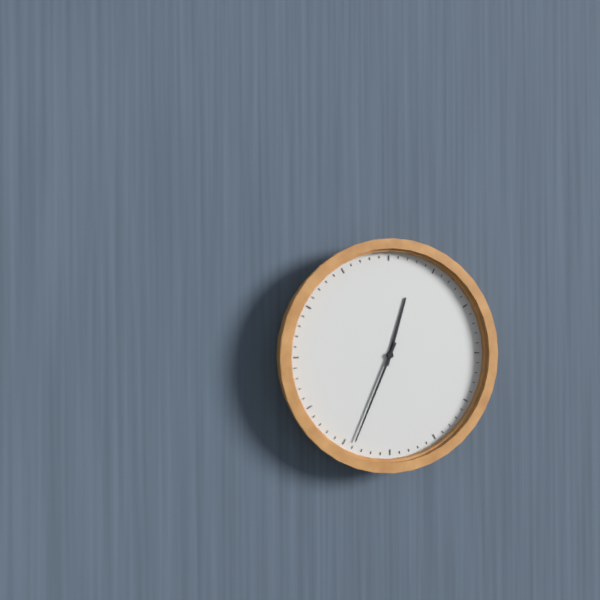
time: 12:34
